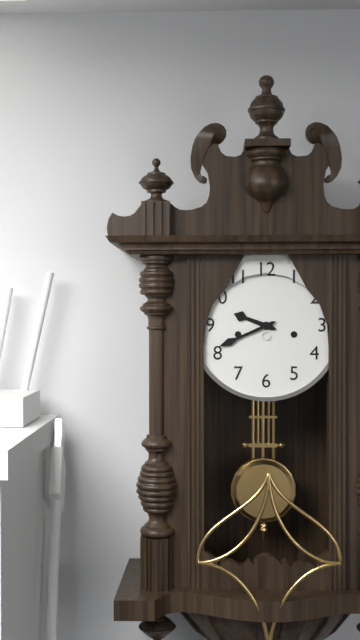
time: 9:41
